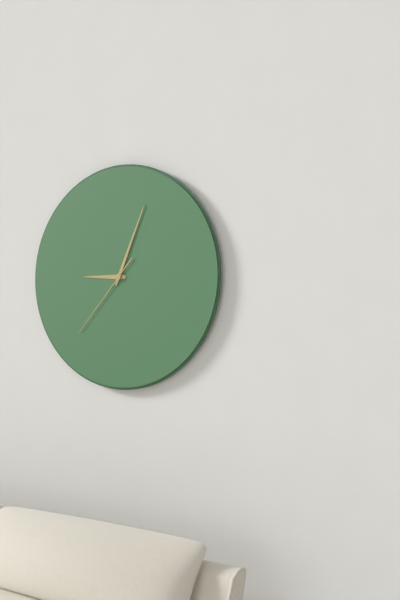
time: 9:04:37
